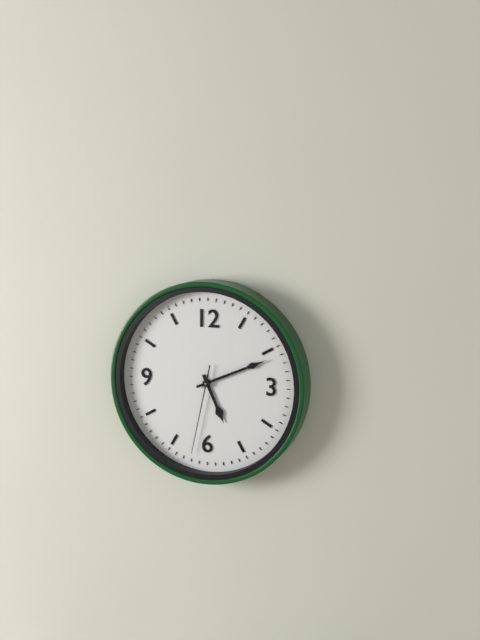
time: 5:11:32
